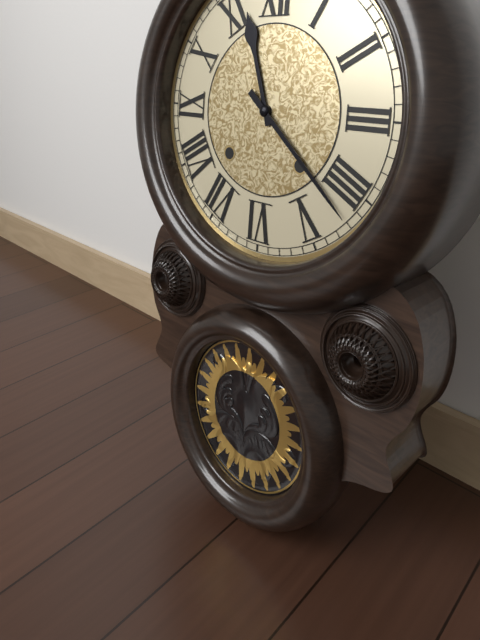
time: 11:22
